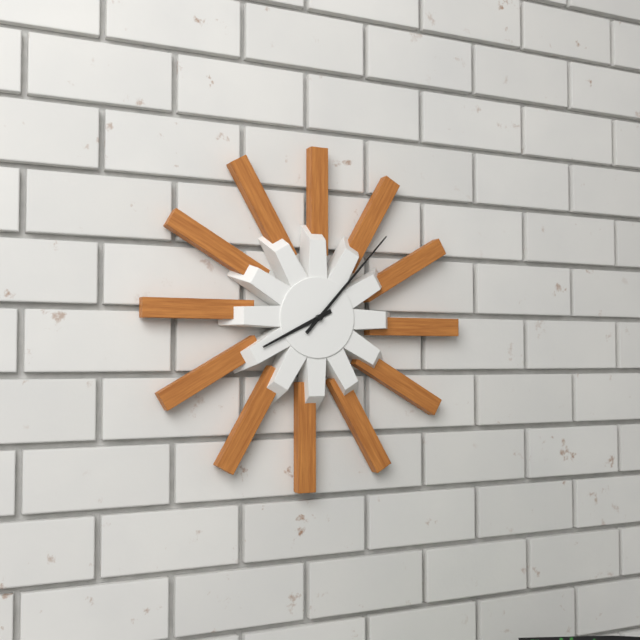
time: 8:07
